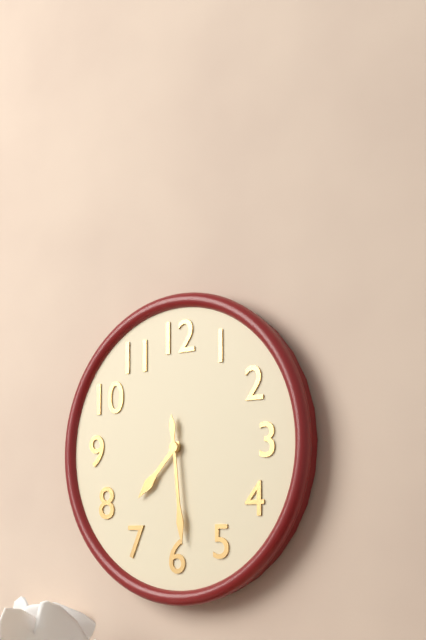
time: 7:29
